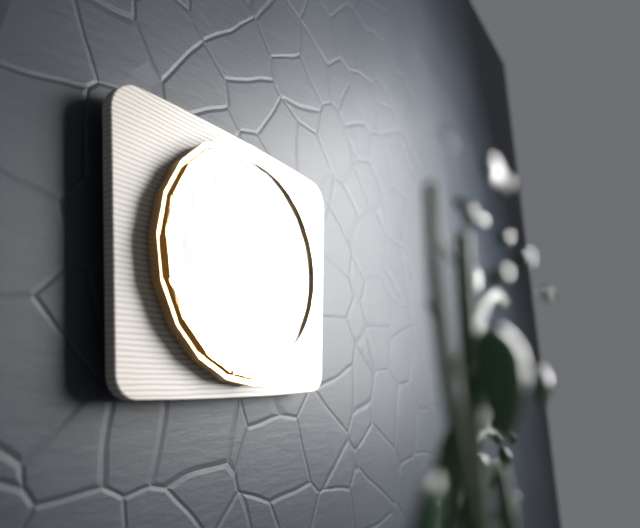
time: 5:31
